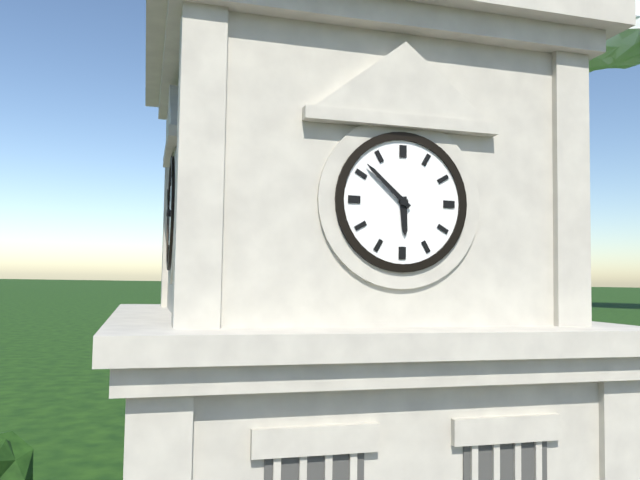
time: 5:52
